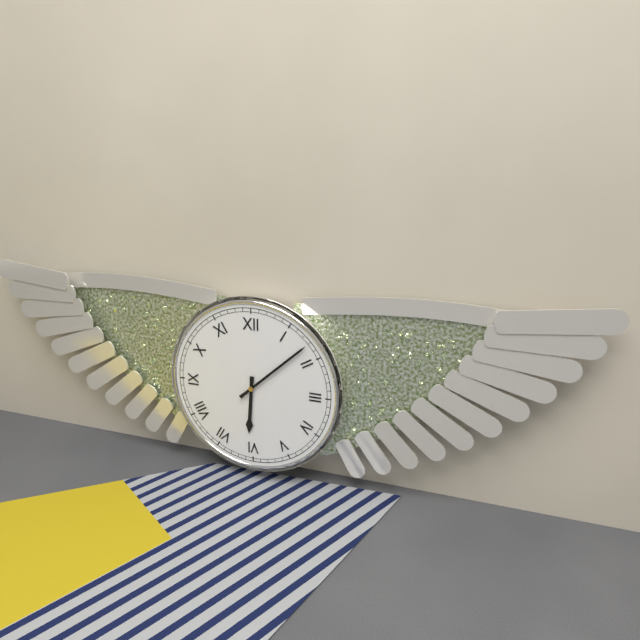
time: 6:08
